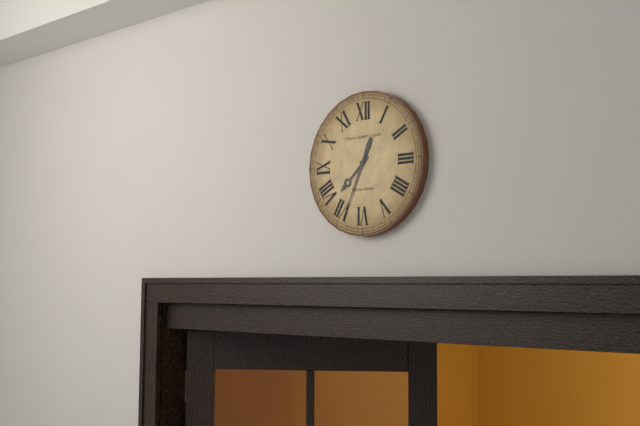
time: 7:34
